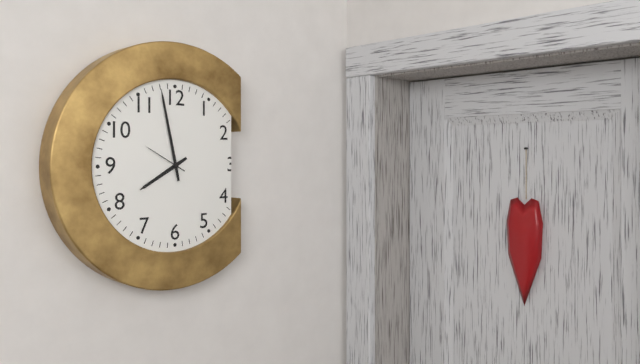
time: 7:58
